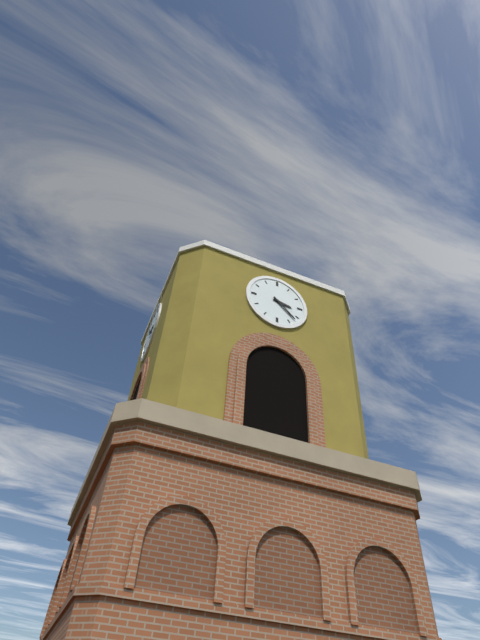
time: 3:22
